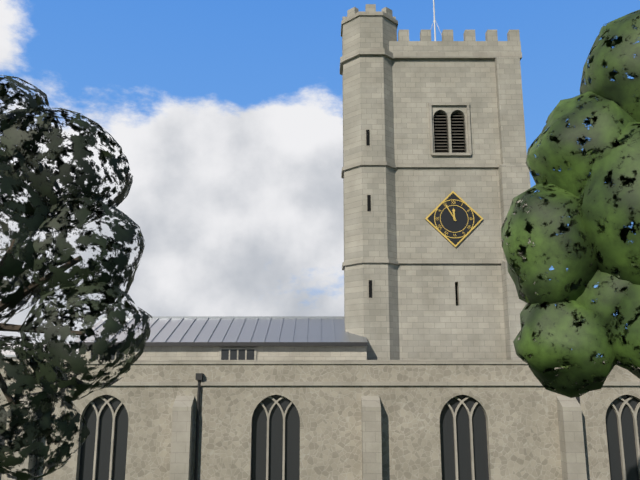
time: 11:55
